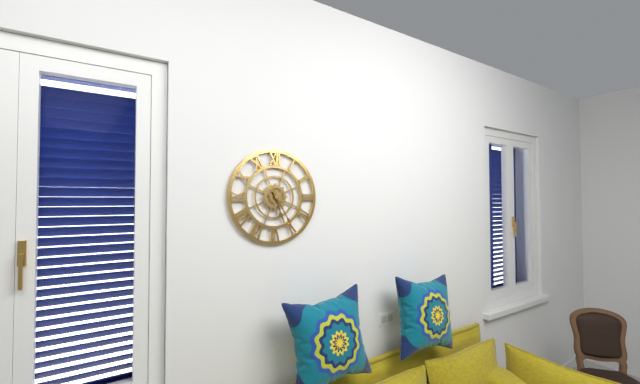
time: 5:25
